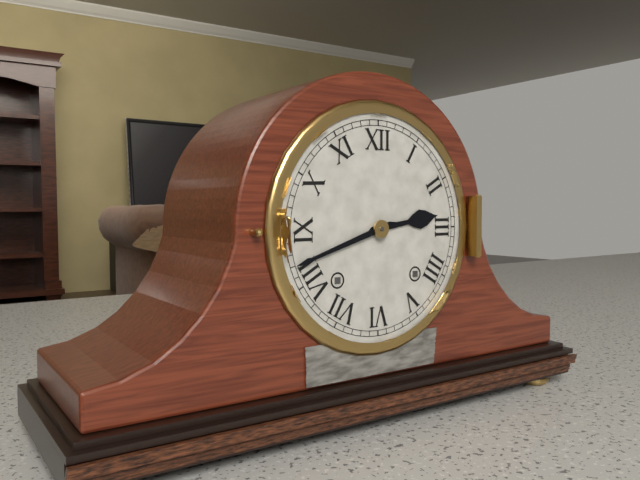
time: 2:42
